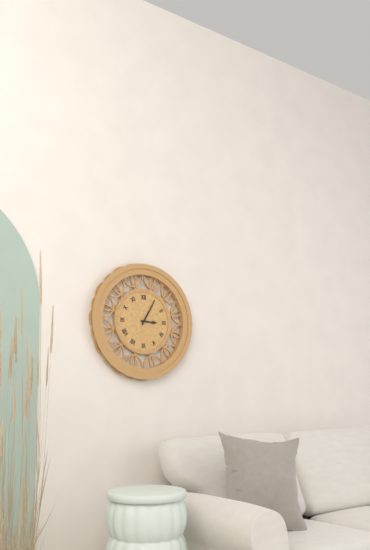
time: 3:05
